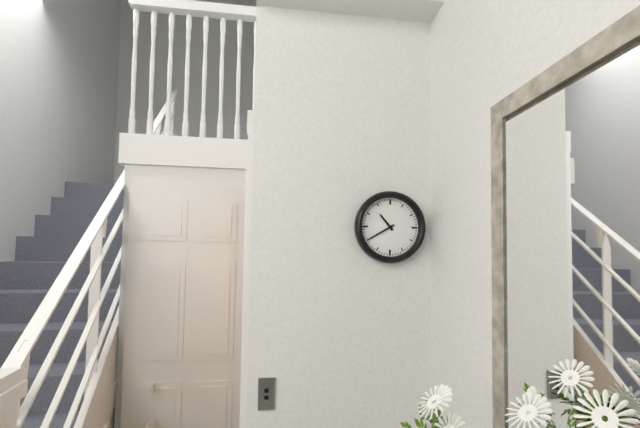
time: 10:40
